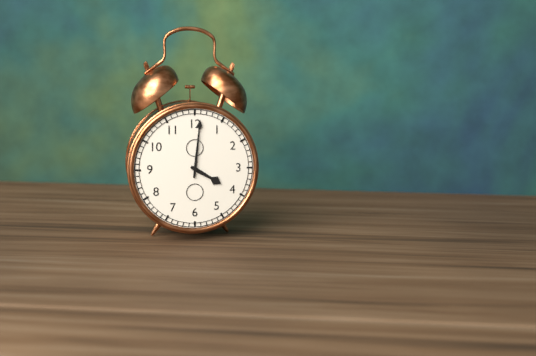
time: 4:01
